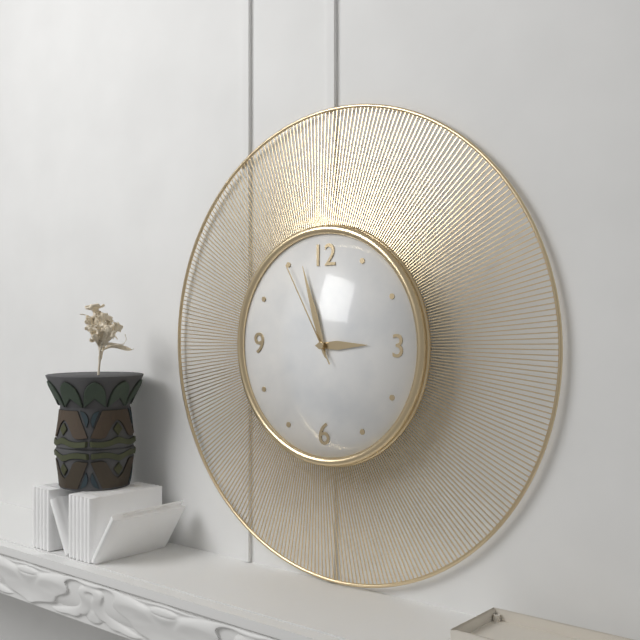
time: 2:57:55
